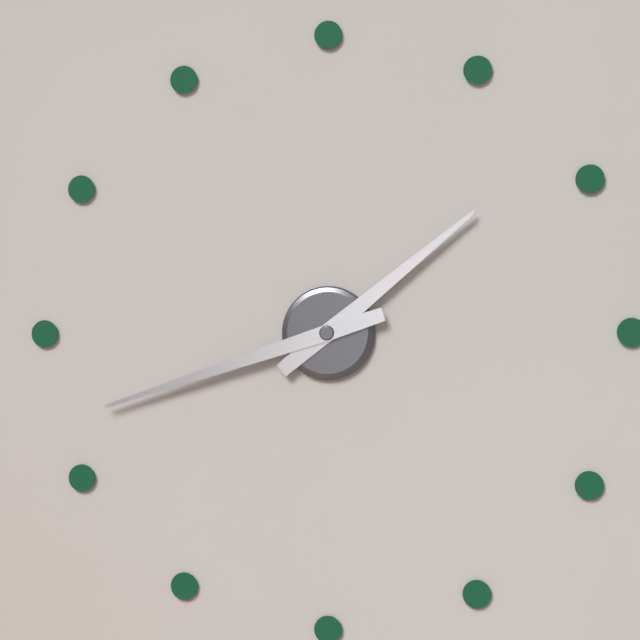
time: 1:42
